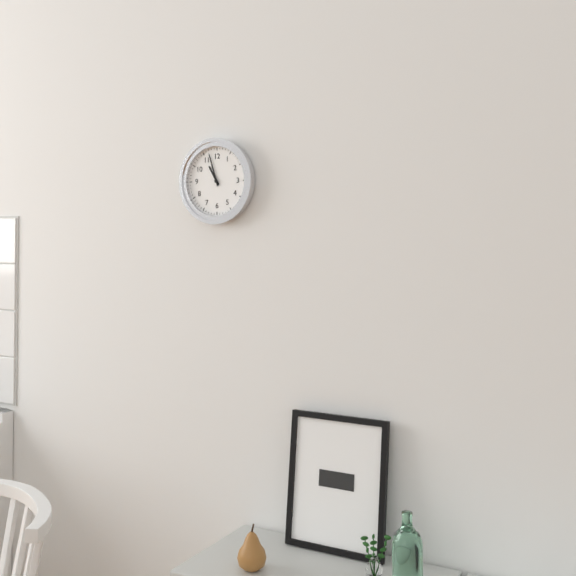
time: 10:57
